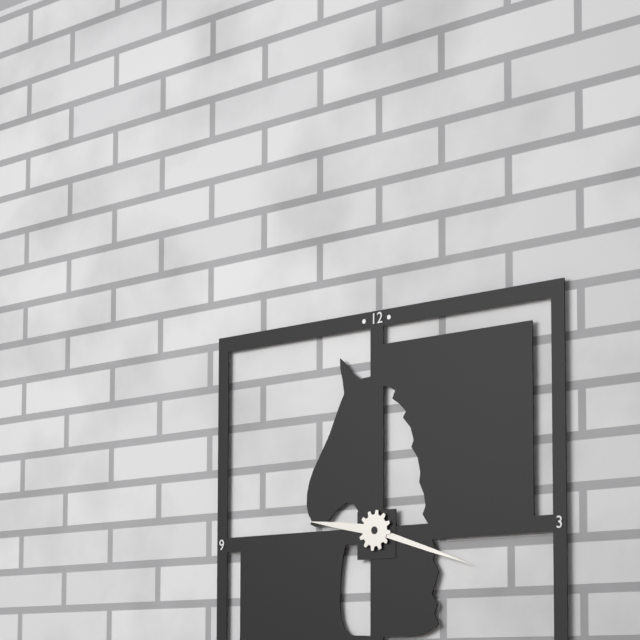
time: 9:18
